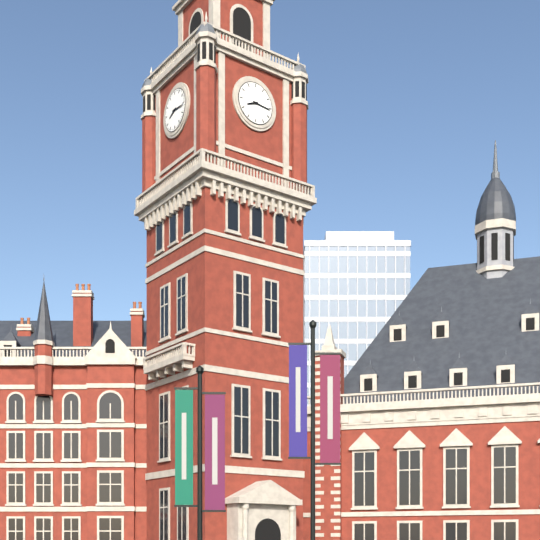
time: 8:16
